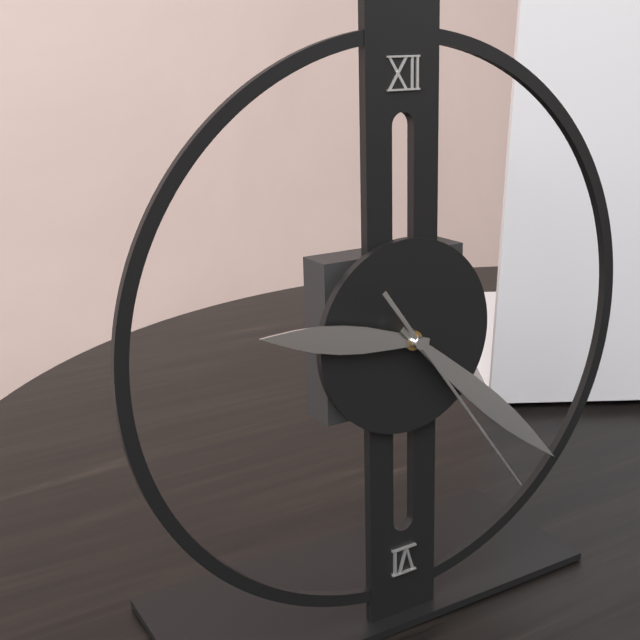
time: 9:22:24
